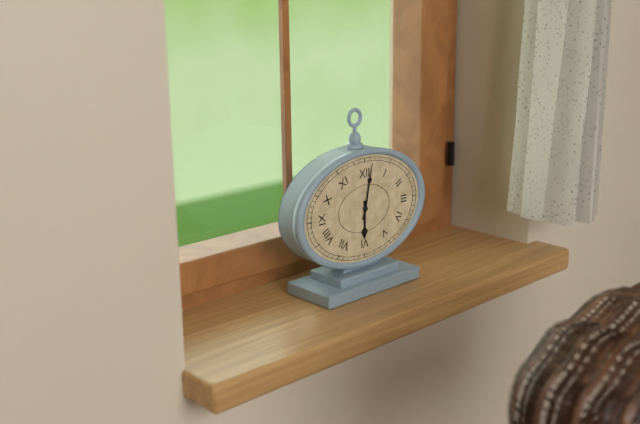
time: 6:02
